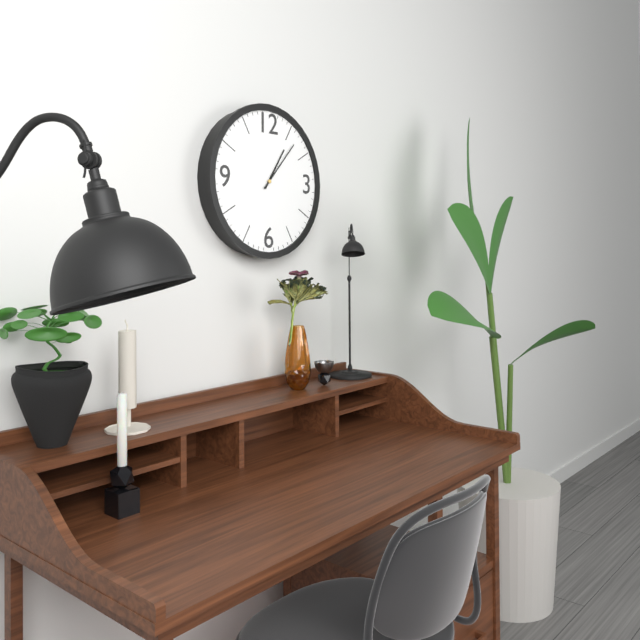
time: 1:07
